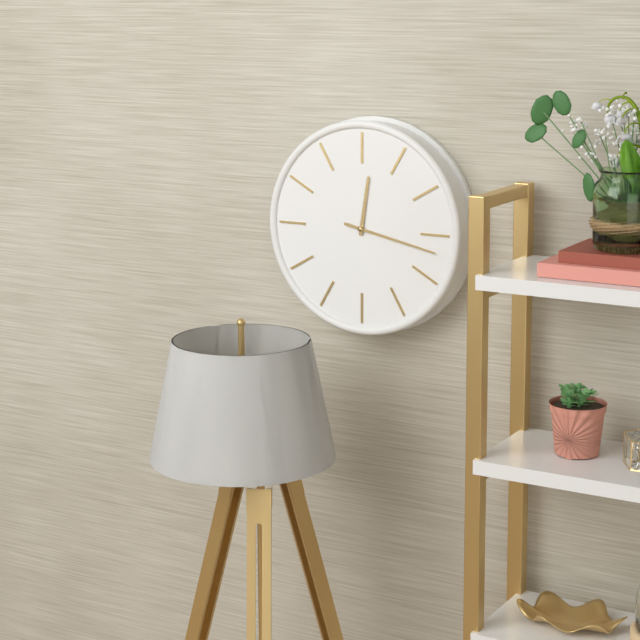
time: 12:17
